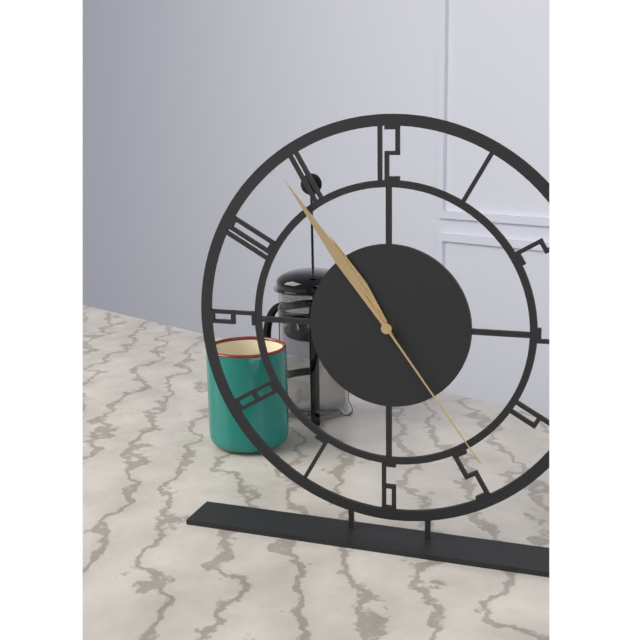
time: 10:54:24
